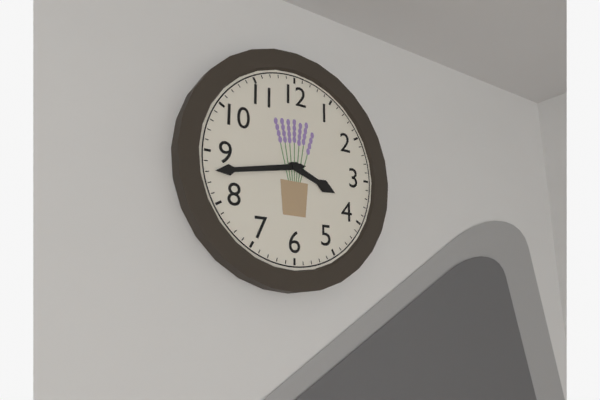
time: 3:43
